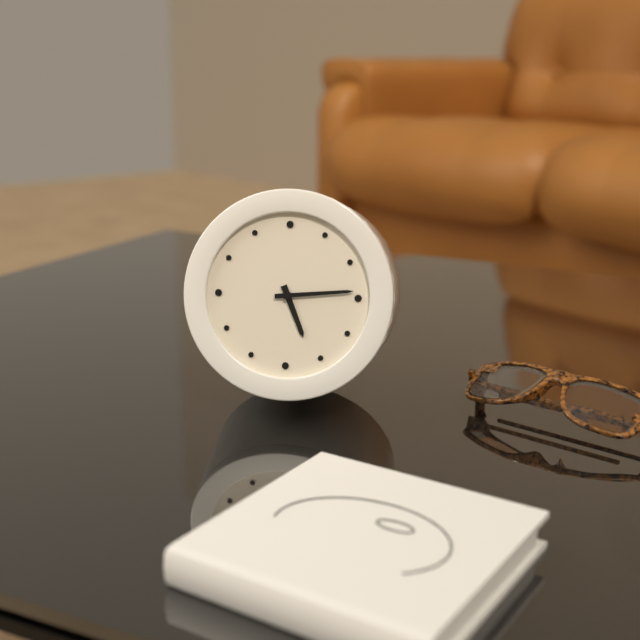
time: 5:14
